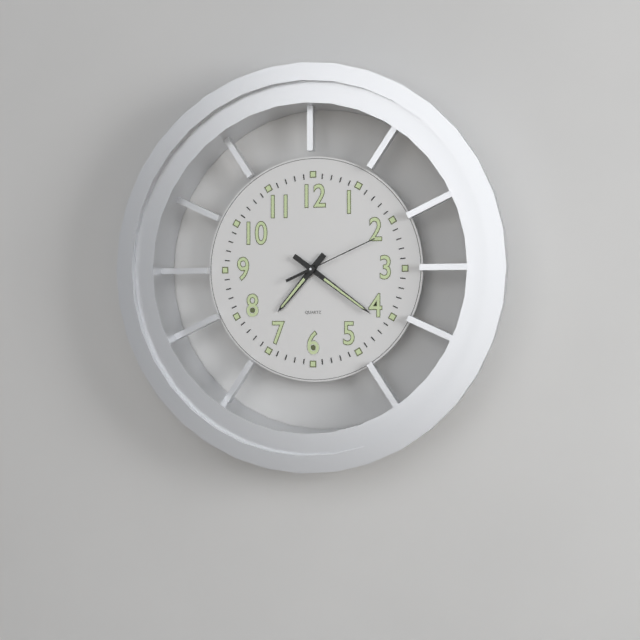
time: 7:21:11
